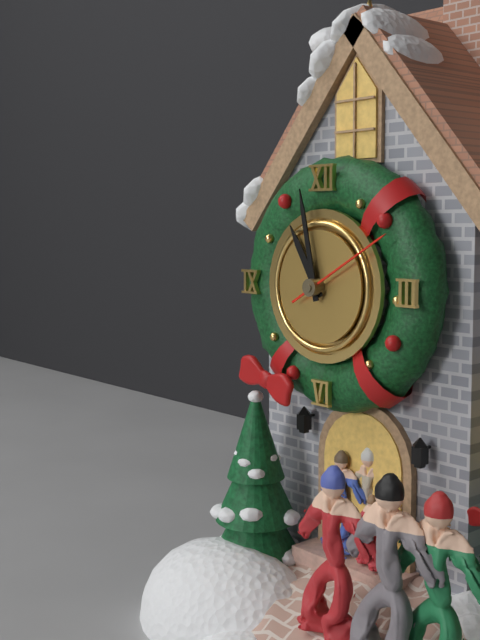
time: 10:58:10
